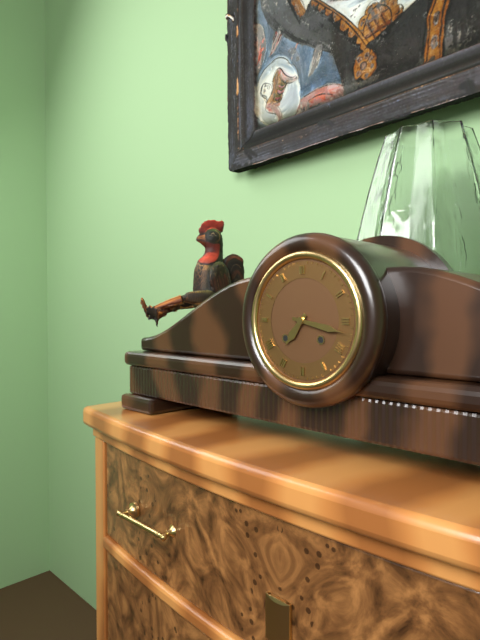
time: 7:17
